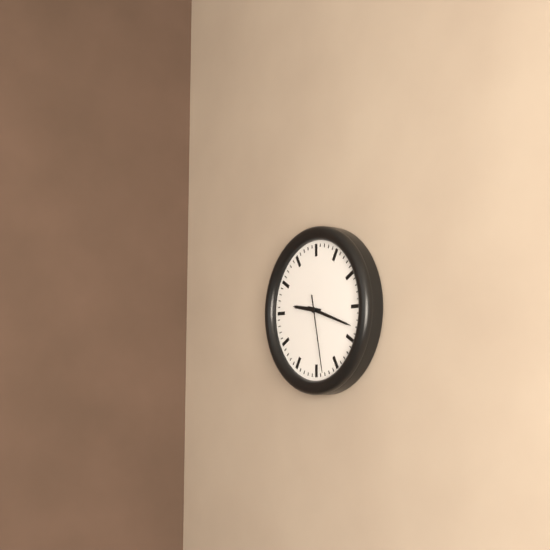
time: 9:18:28
